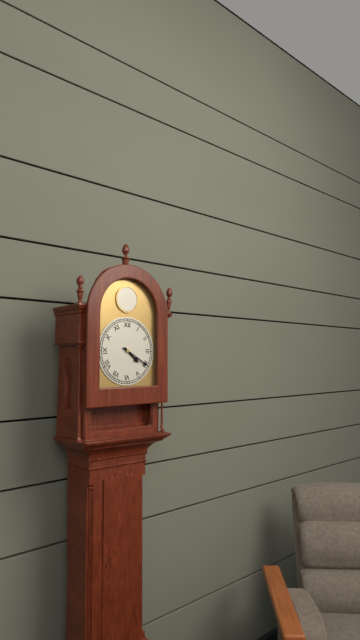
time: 4:20
